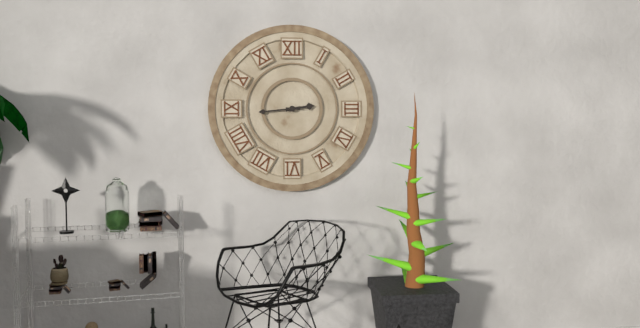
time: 2:44
